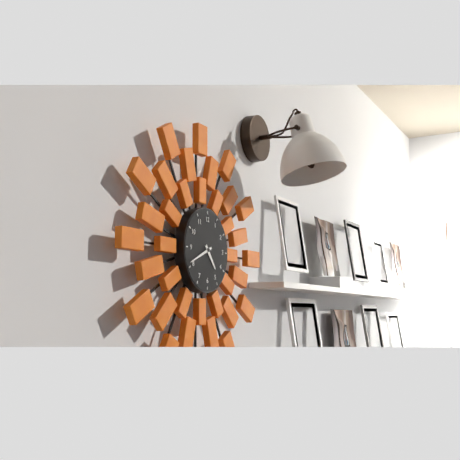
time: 4:41
